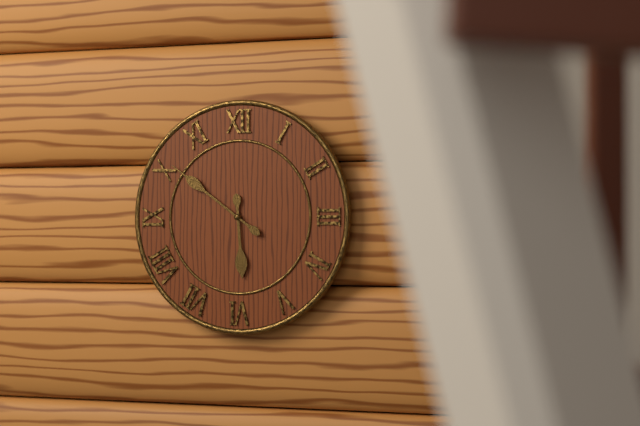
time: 5:51
